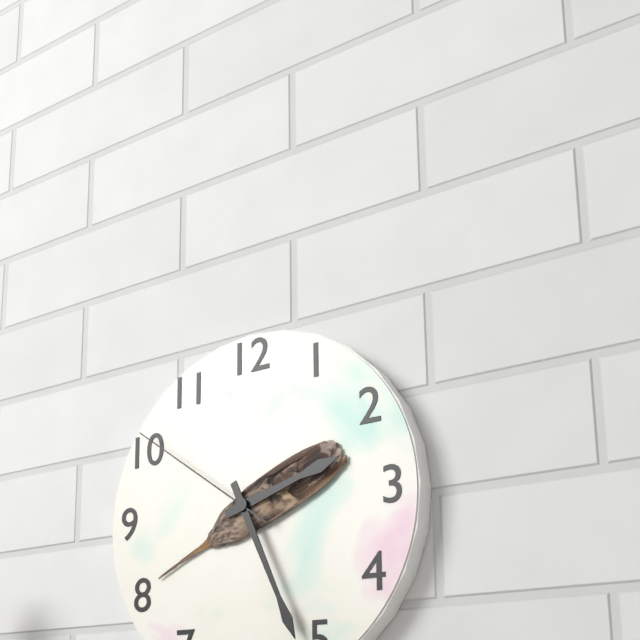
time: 2:26:51
